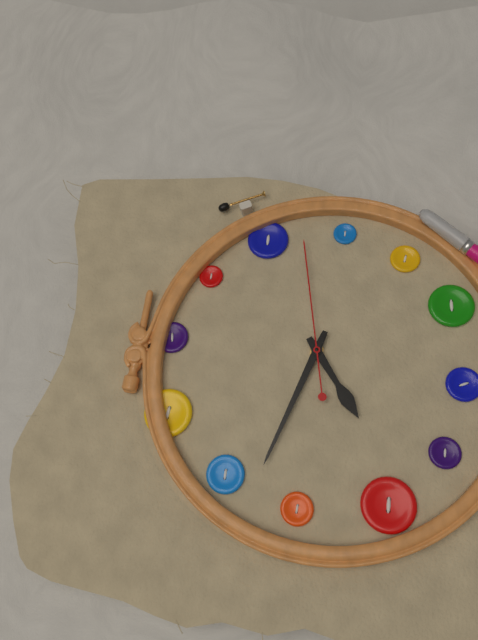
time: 7:48:13
